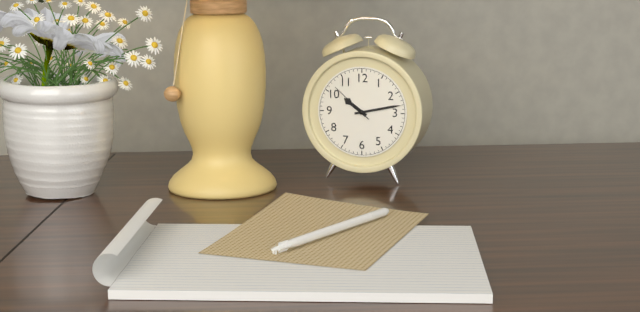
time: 10:13
